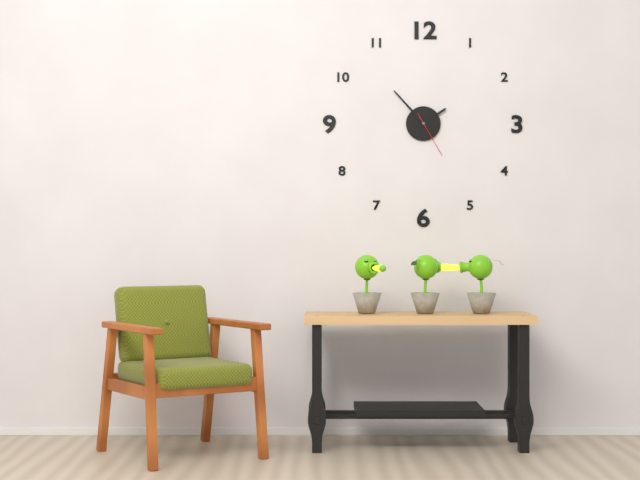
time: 1:53
